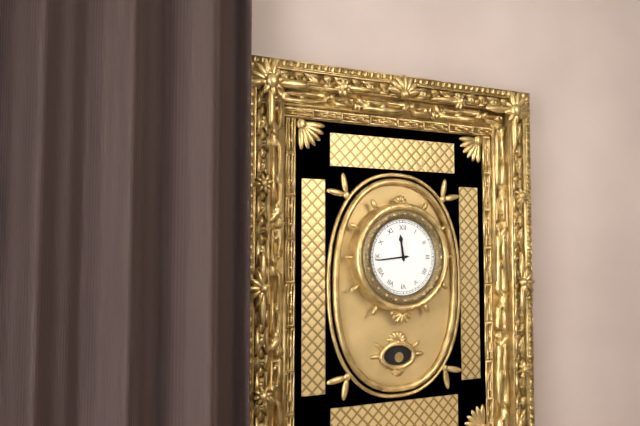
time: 11:44
